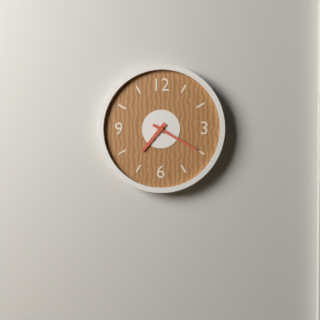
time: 7:20
